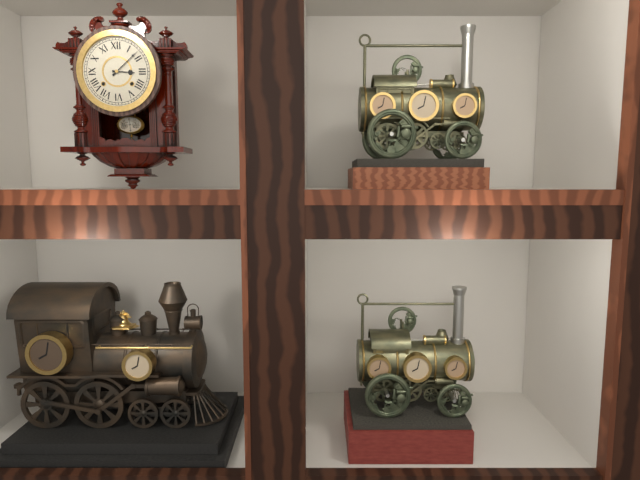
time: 3:08
